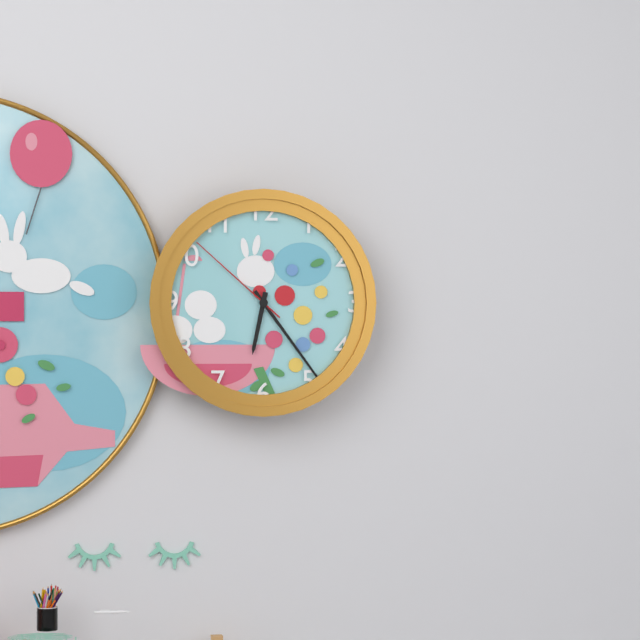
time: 6:24:52
